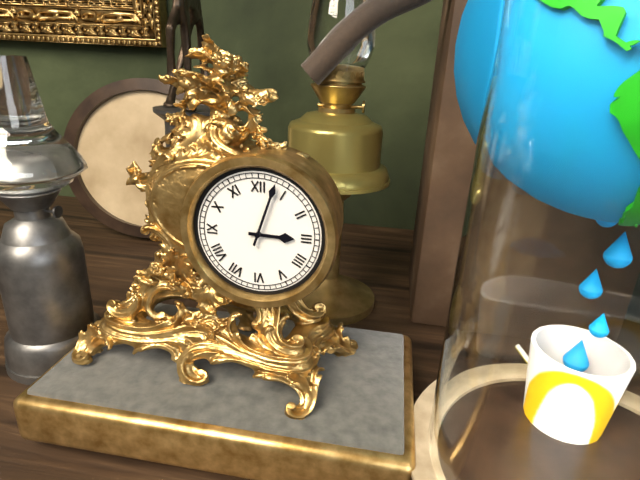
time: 3:03
